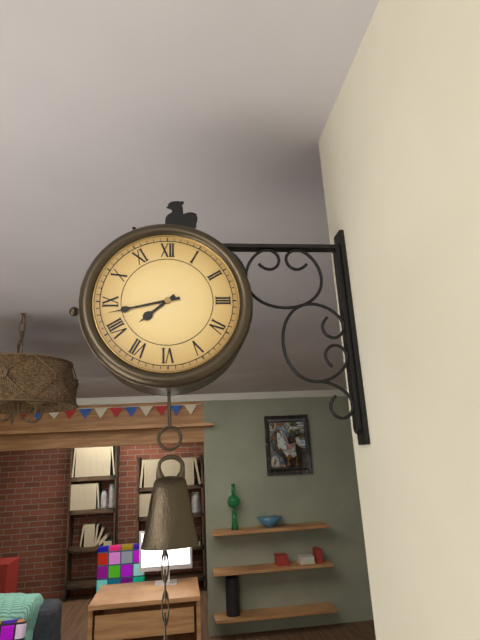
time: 7:43
